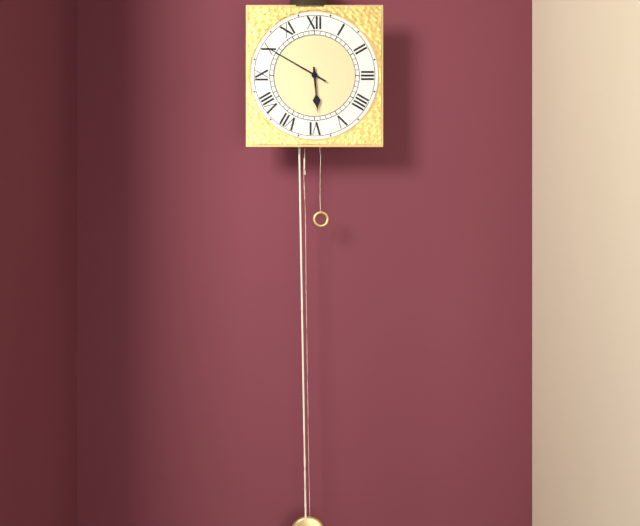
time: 5:50
